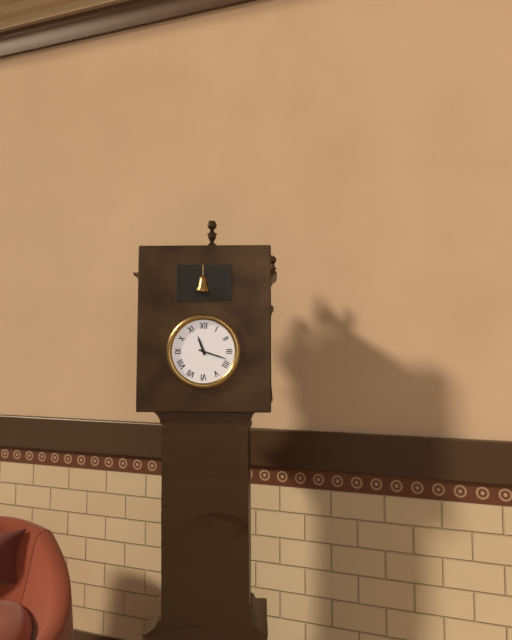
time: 11:18
